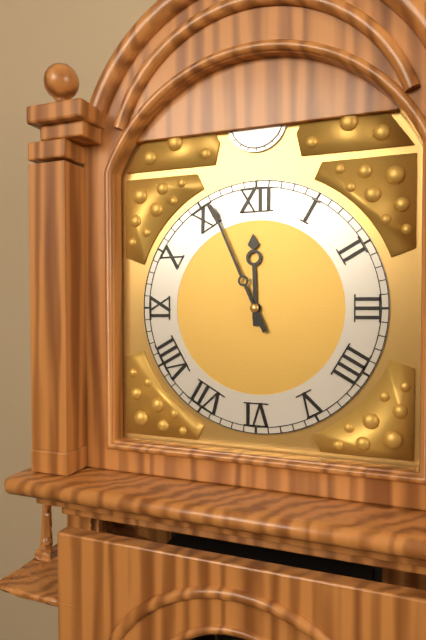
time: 11:56
